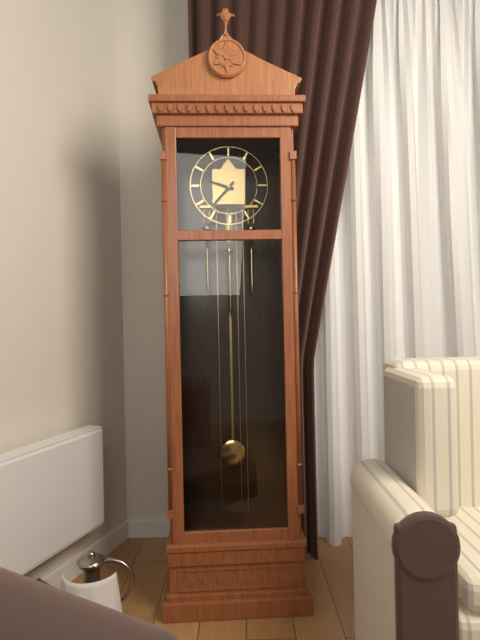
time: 9:37
